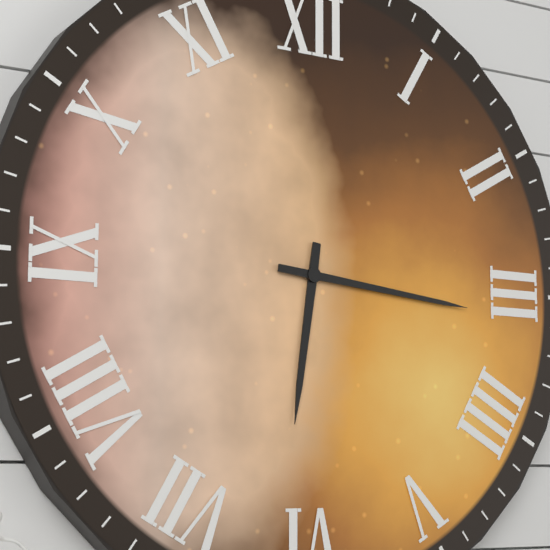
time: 6:16
